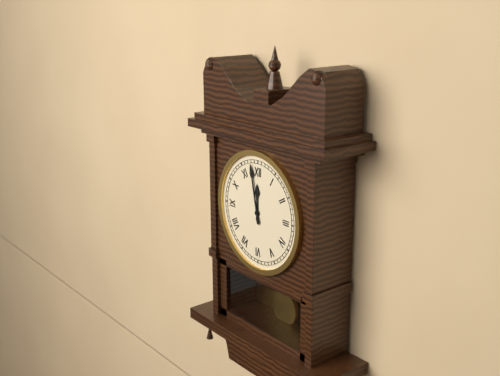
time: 11:58
